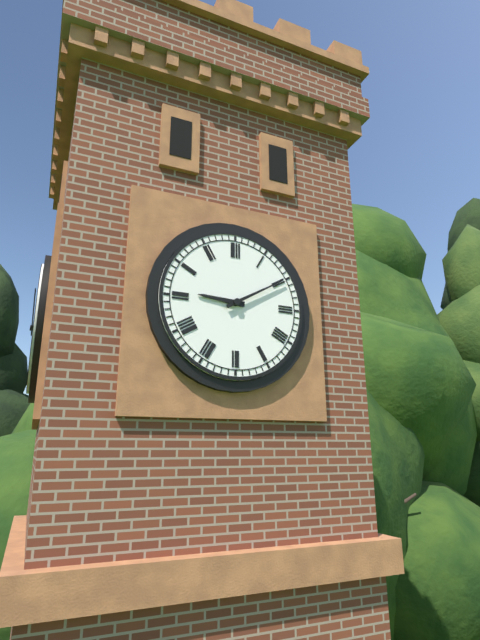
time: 9:10
